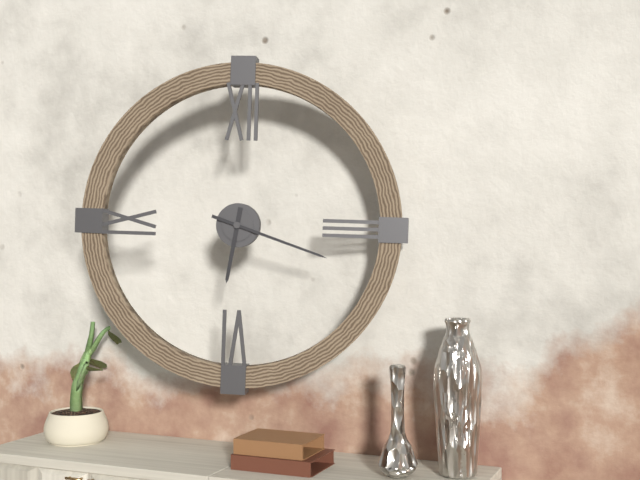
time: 6:18
